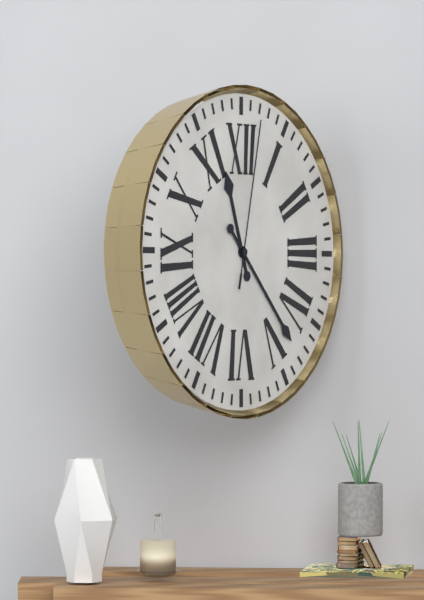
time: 11:23:02
